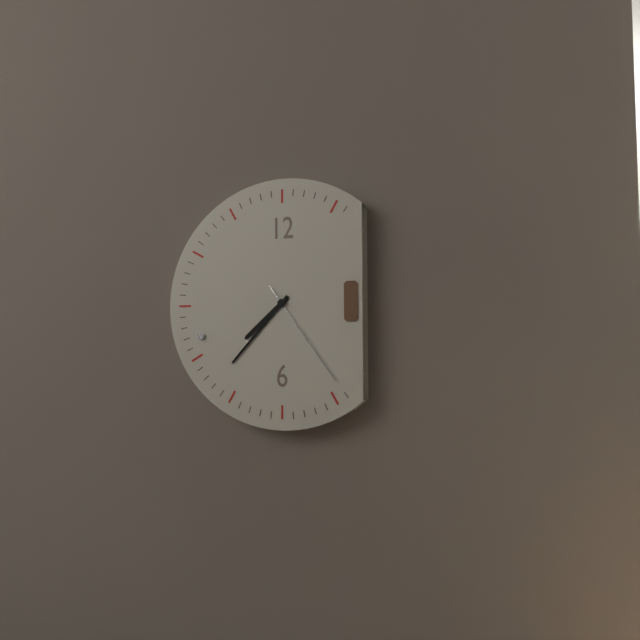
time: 7:37:24
